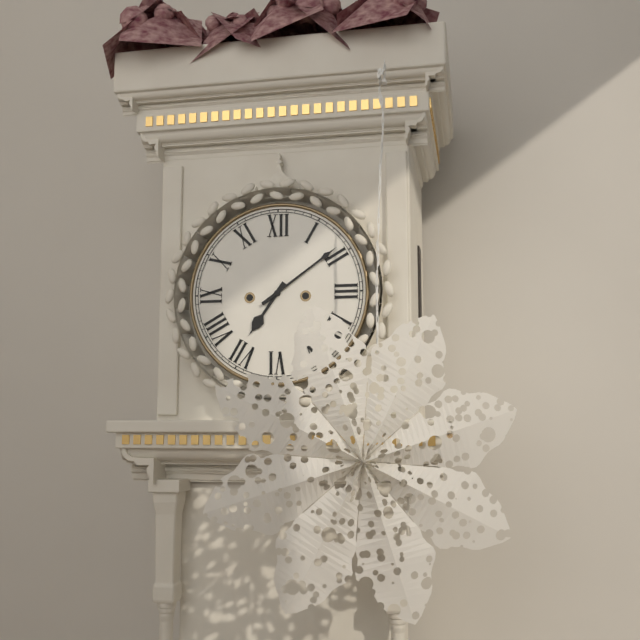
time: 7:09
